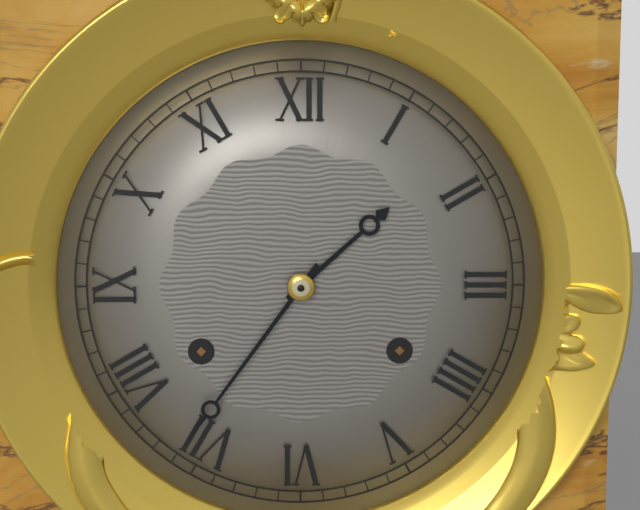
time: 1:36
